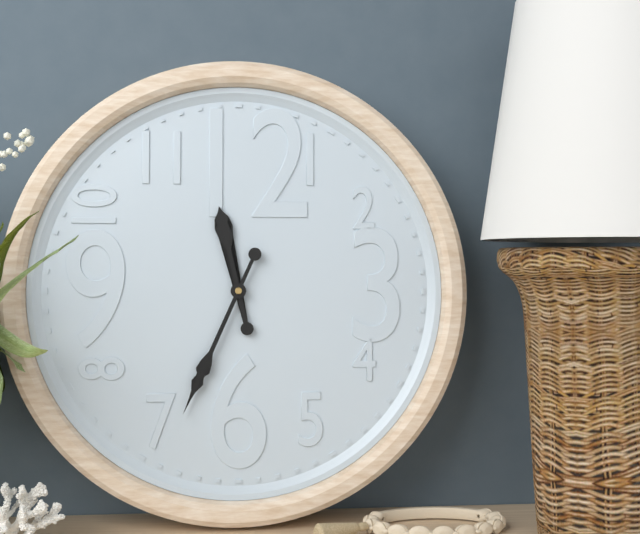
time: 11:34
